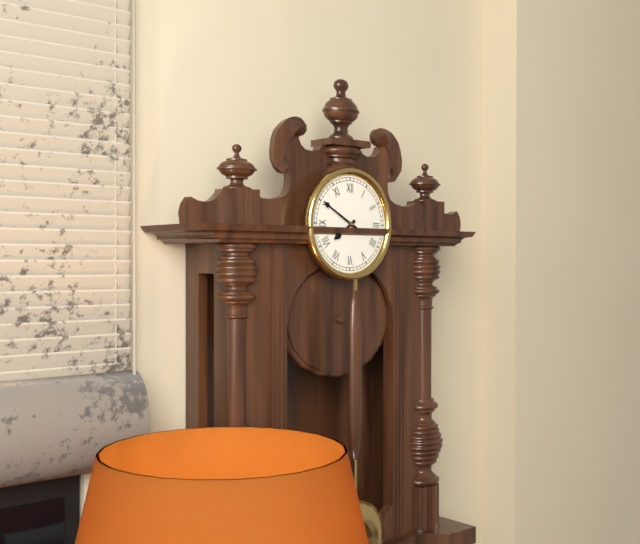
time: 7:50
